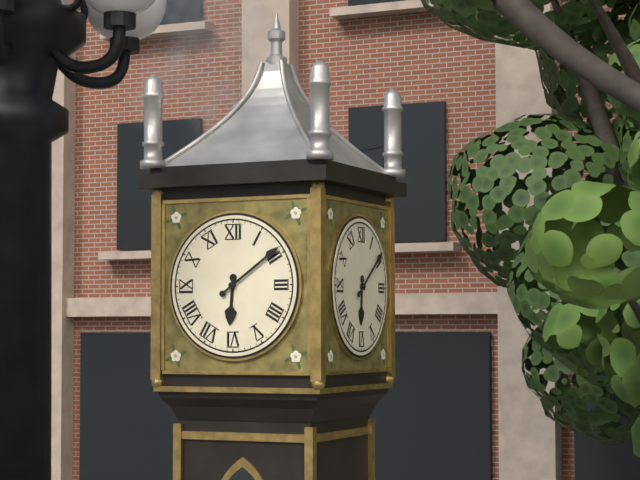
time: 6:09
